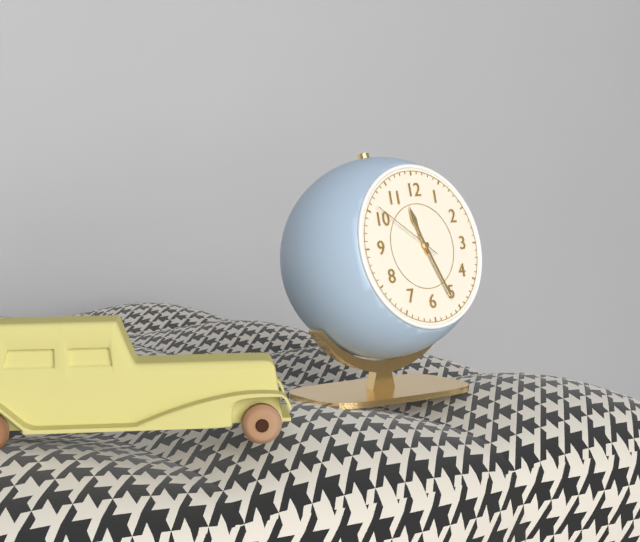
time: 11:26:51
